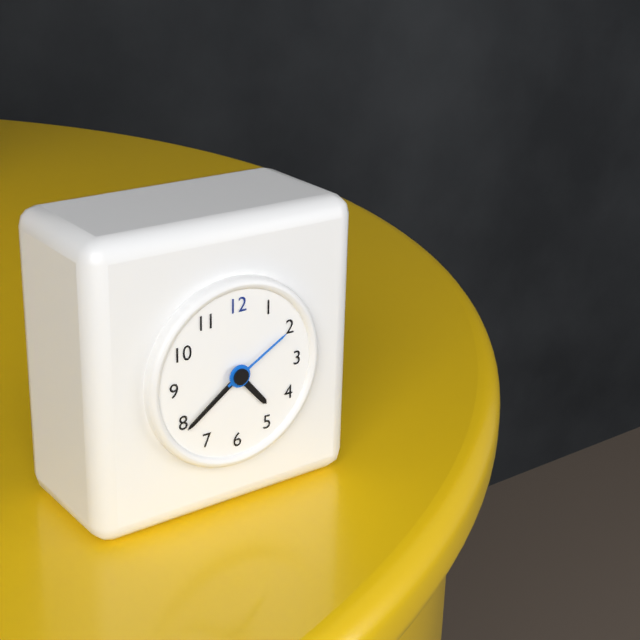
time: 4:39:10
